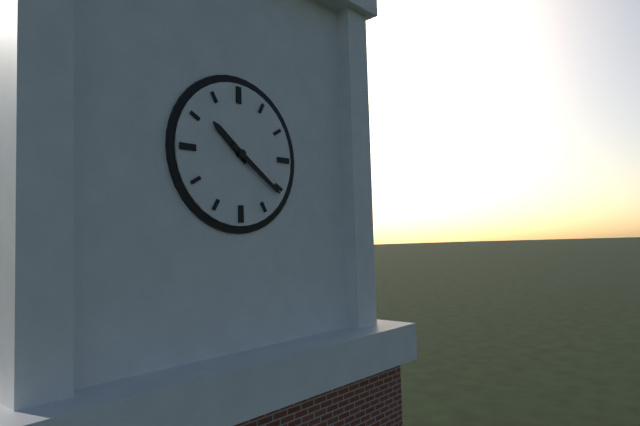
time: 10:21
